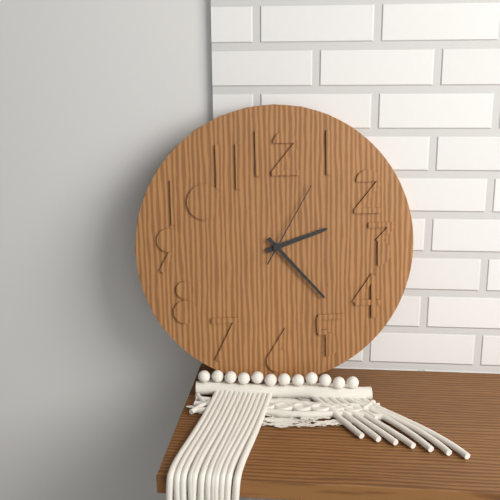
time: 2:23:05
